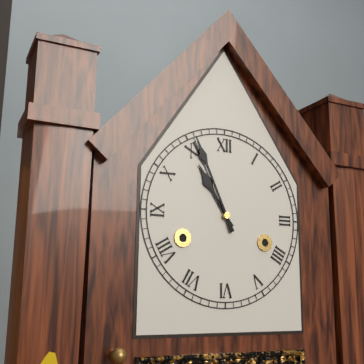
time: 10:56
